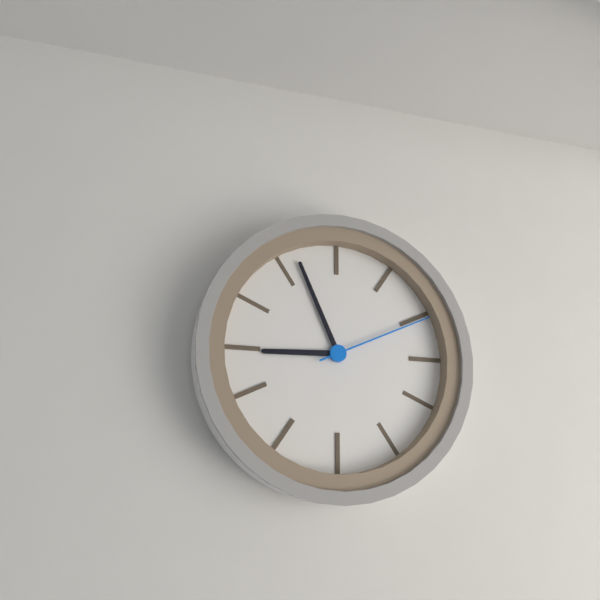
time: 8:56:11
